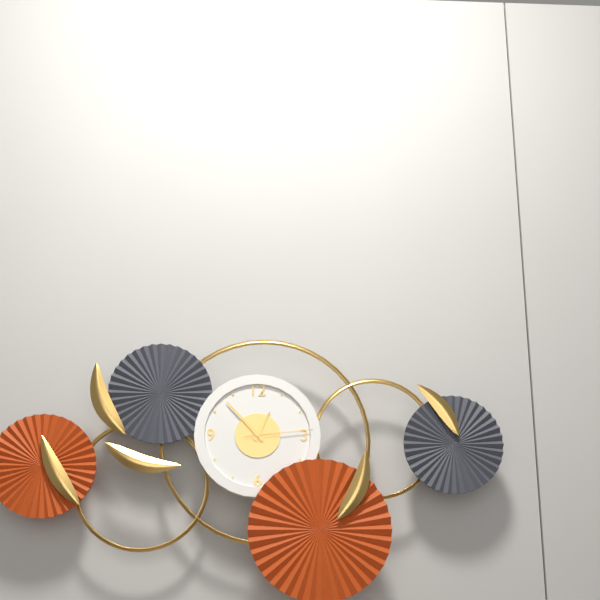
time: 12:53:14
